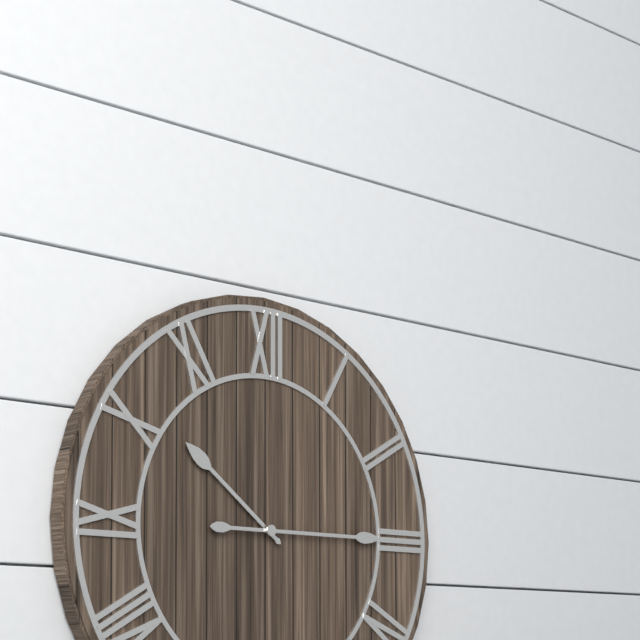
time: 10:15
